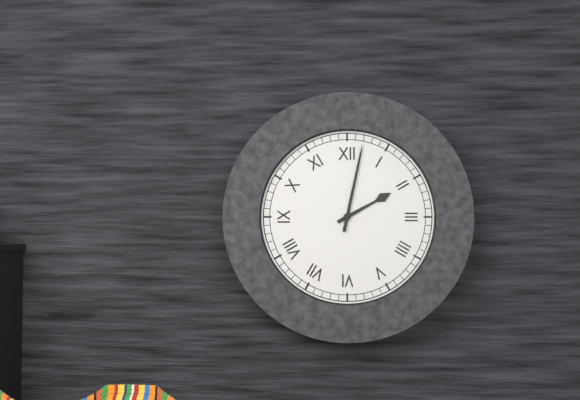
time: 2:02
